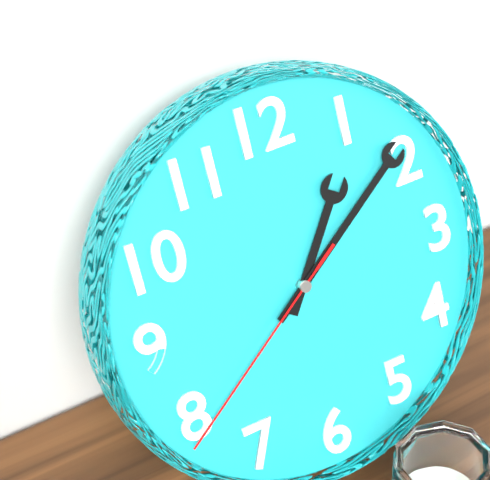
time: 1:09:39
